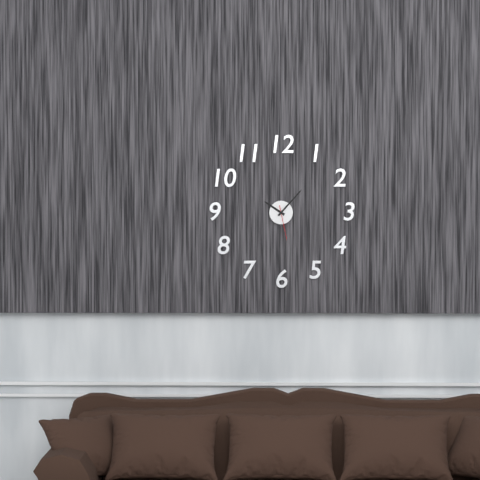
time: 10:07
